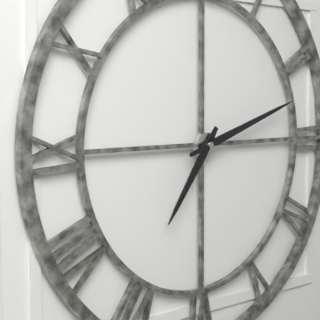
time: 7:12
